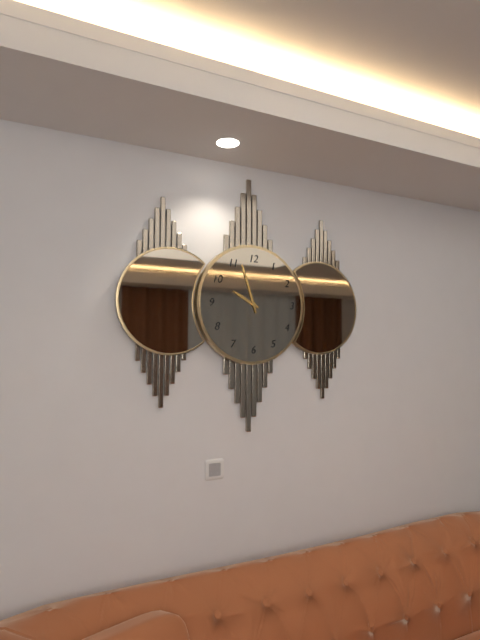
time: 9:57
